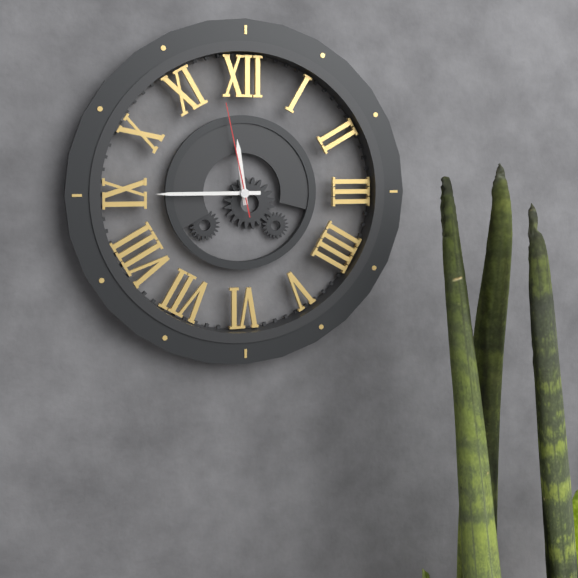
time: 11:45:58
